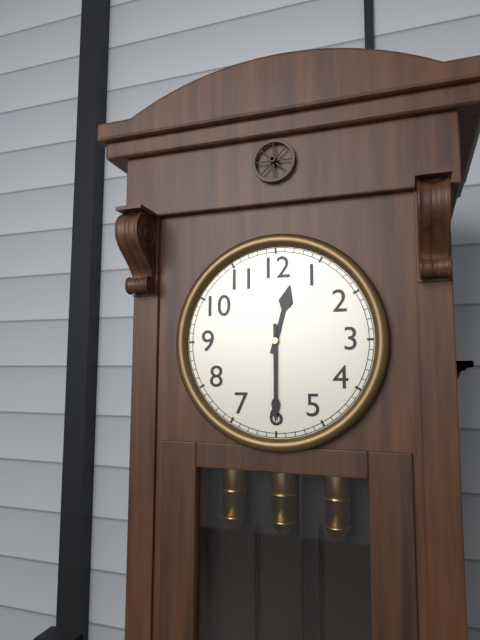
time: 12:30
